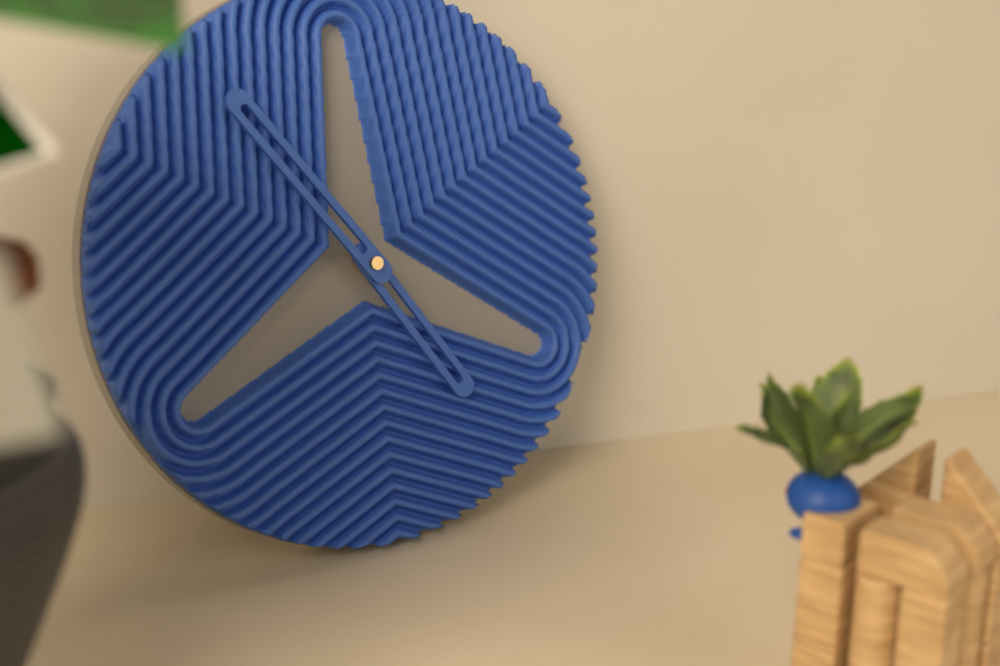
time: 4:54
